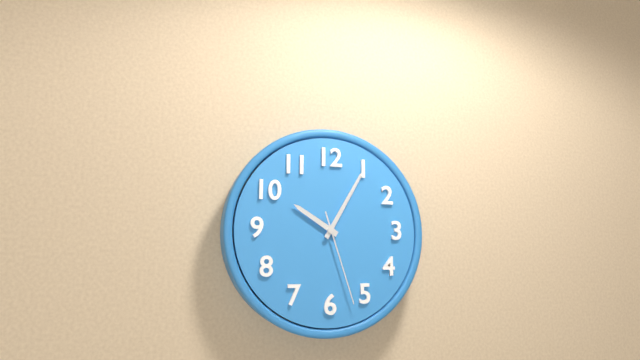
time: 10:05:27
